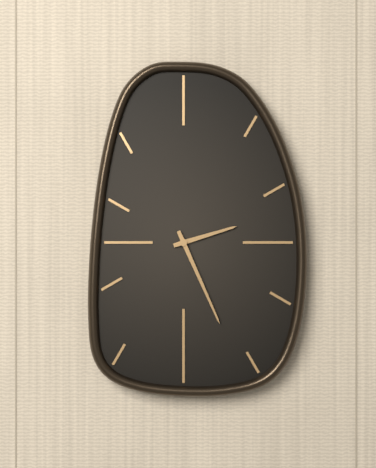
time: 2:26
